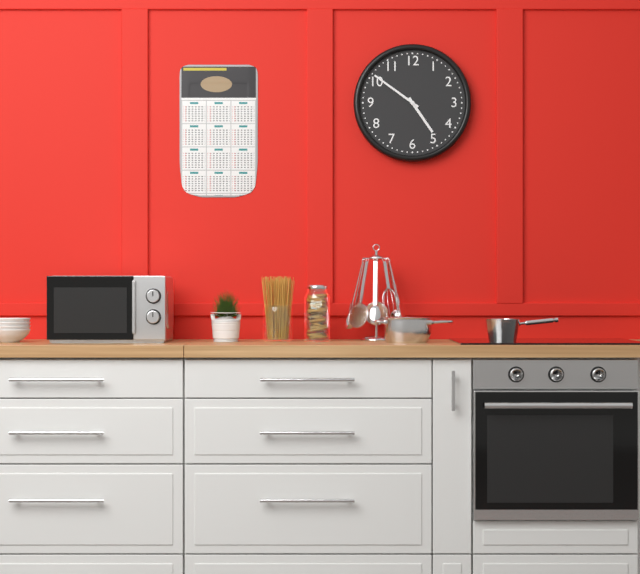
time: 4:51
